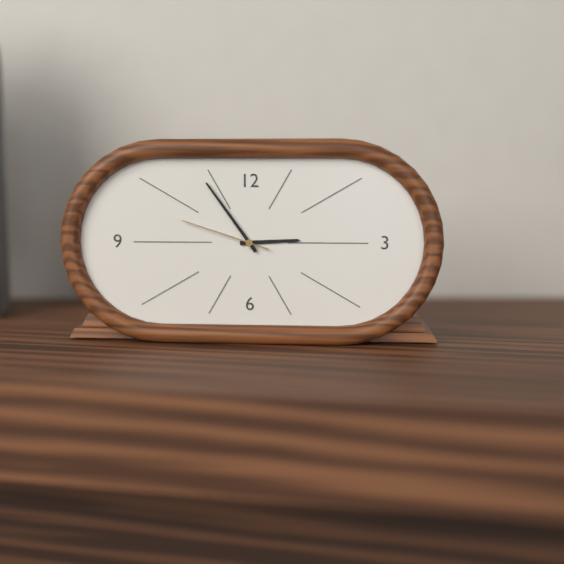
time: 2:54:48
